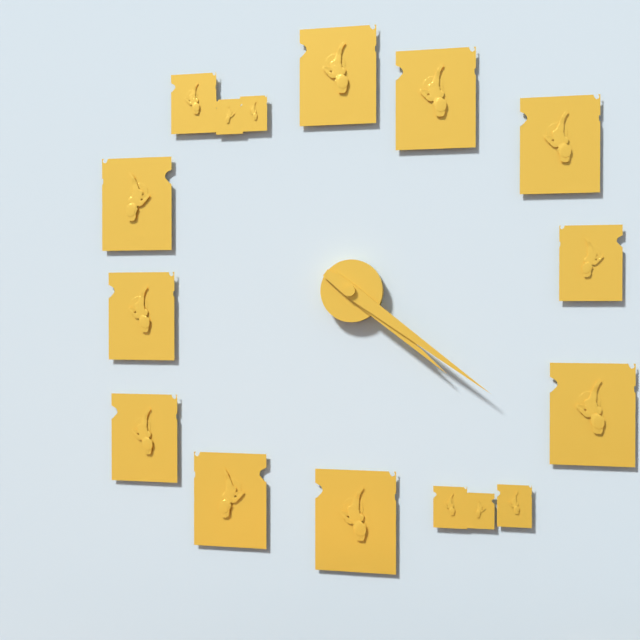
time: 4:21
